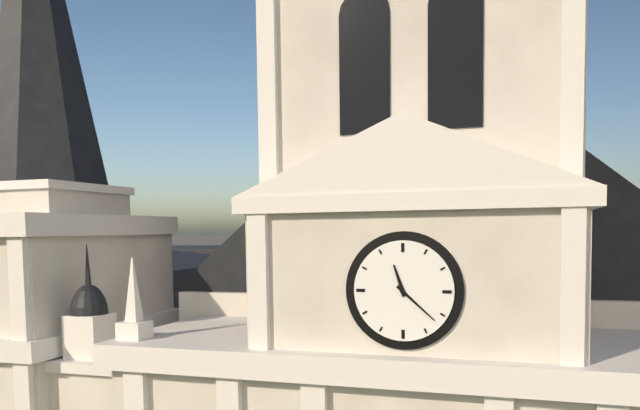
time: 11:22
